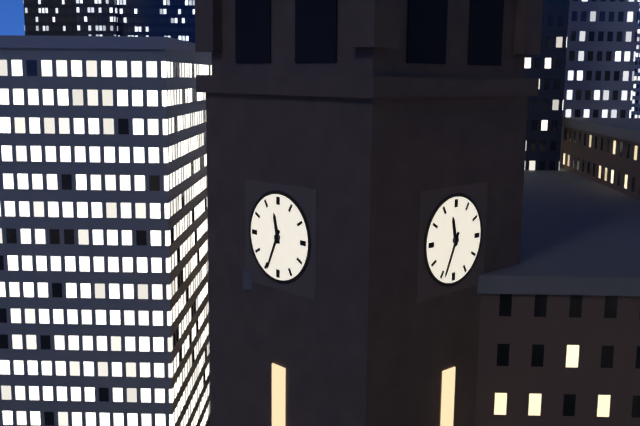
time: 11:34
